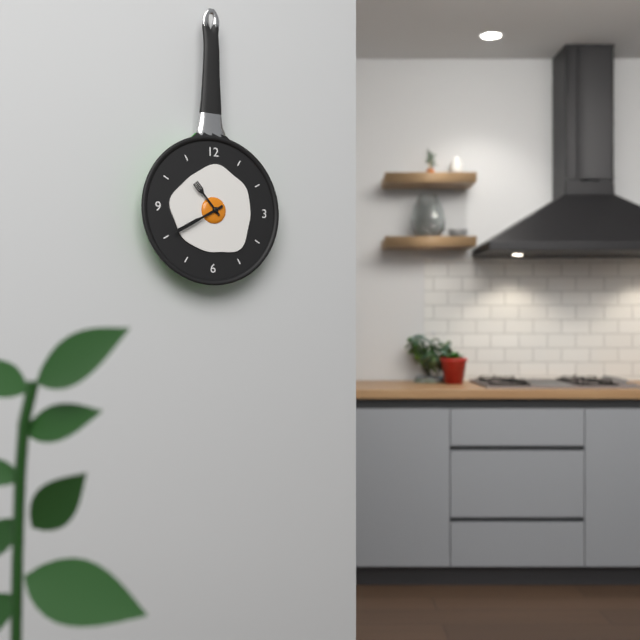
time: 10:40
